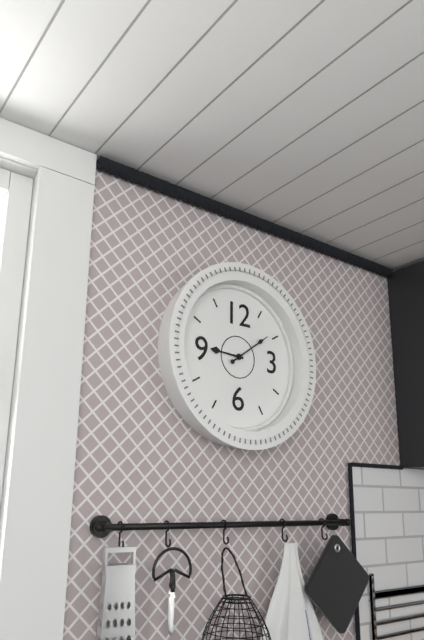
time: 9:09
